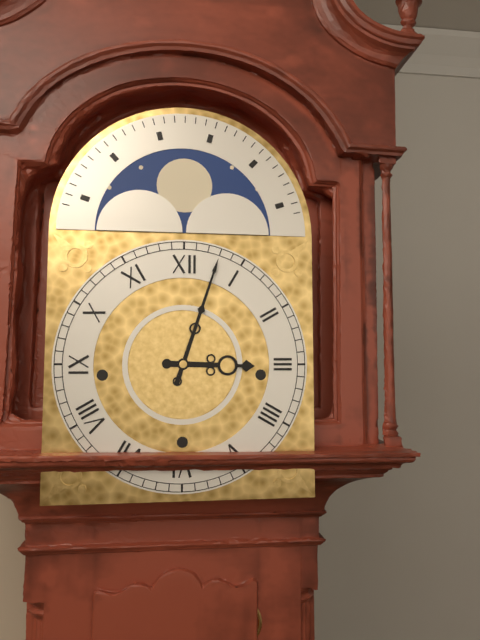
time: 3:03
